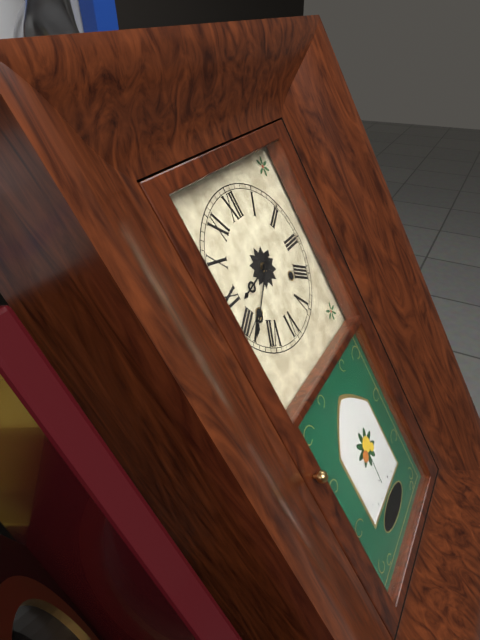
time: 8:39
